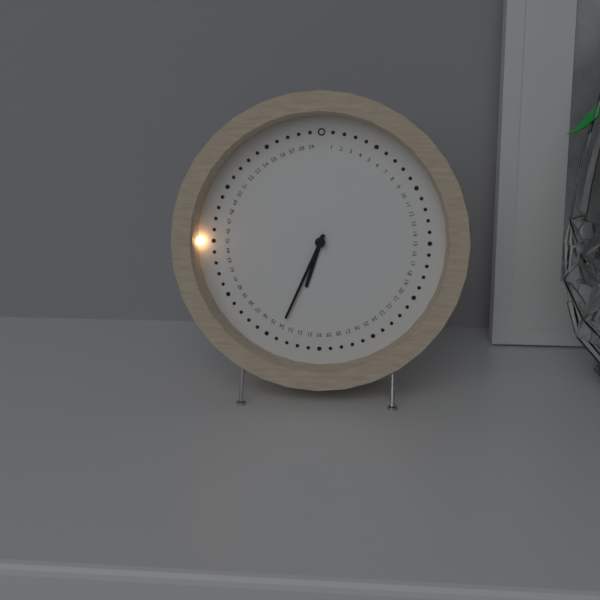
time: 6:34
